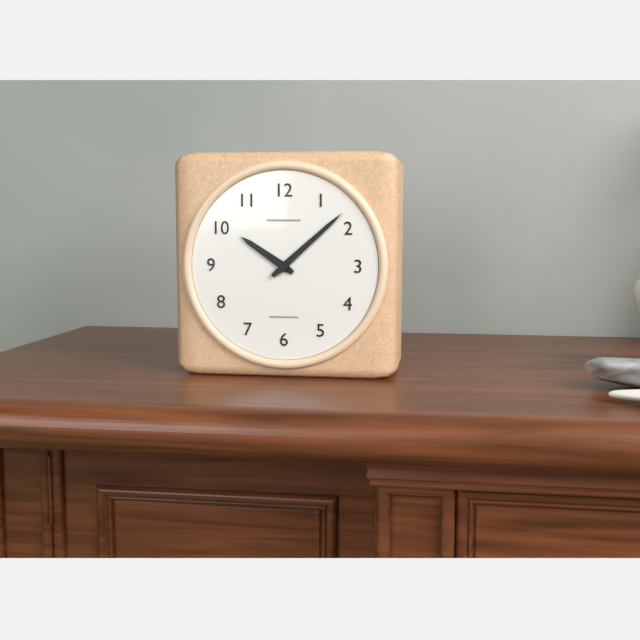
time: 10:08
